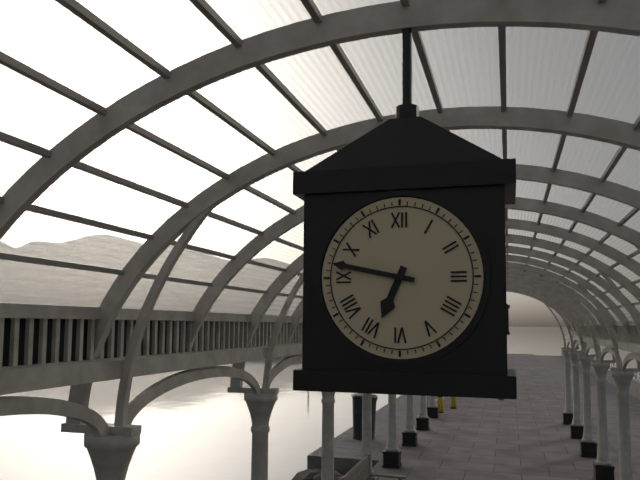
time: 6:47
